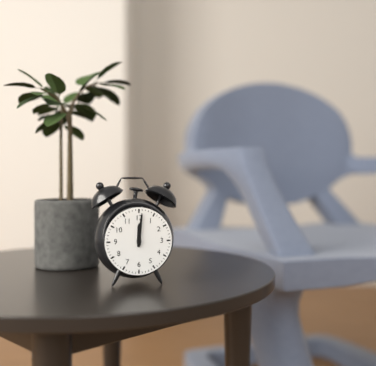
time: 12:01
